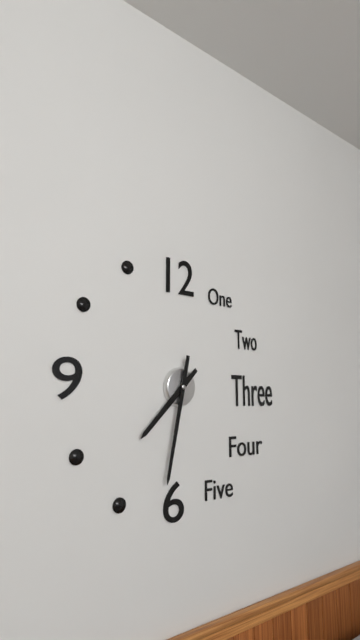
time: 7:32
